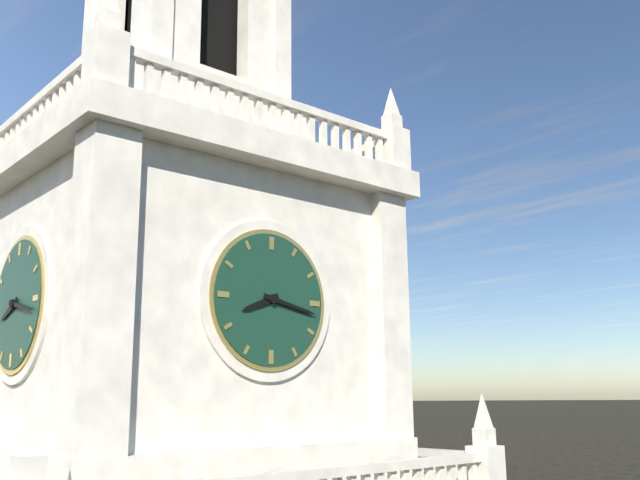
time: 8:17
